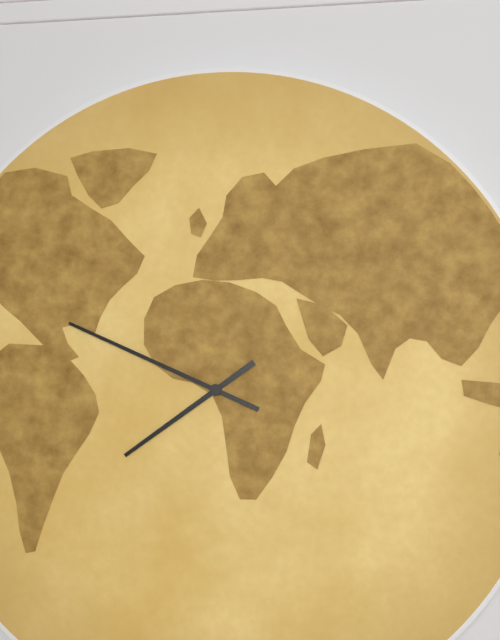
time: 7:49
